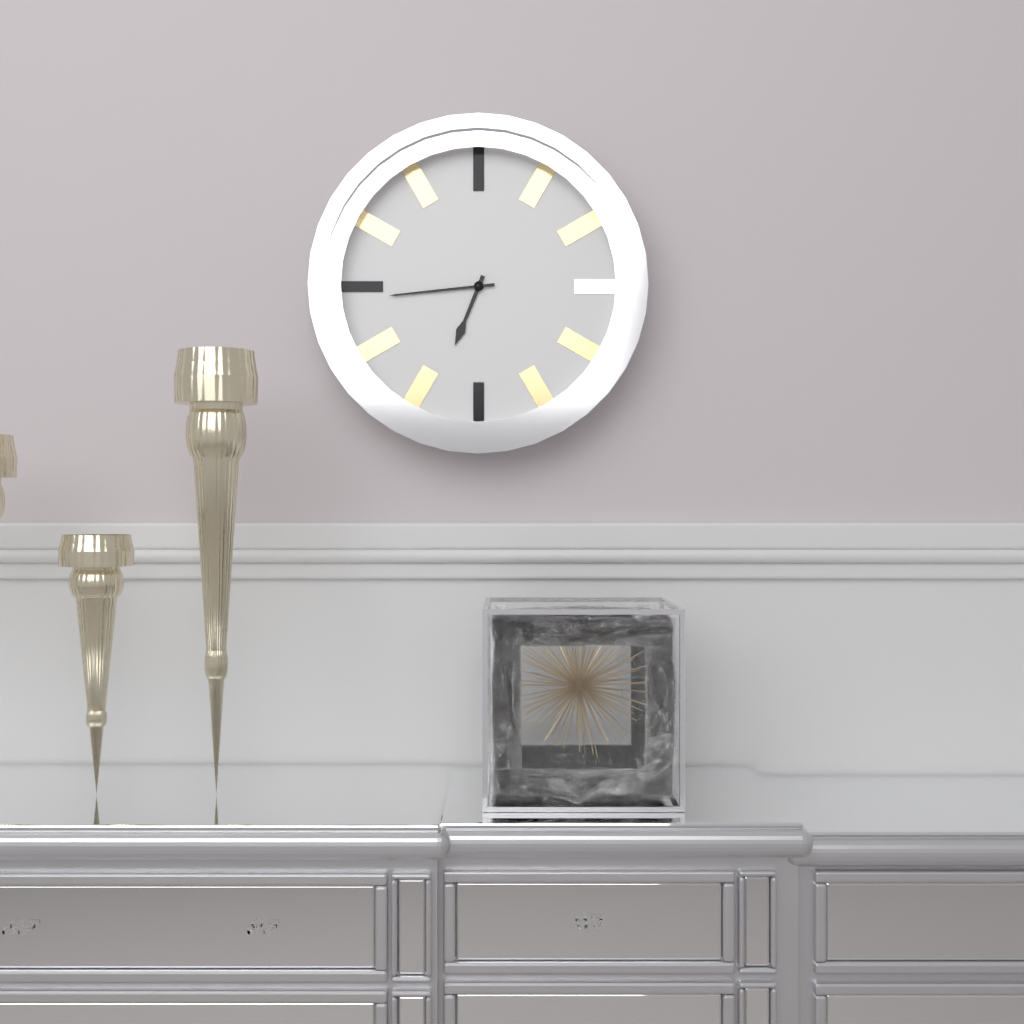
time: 6:44
